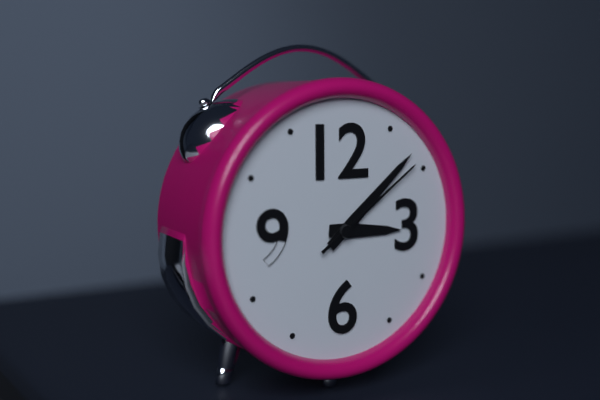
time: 3:08:09
